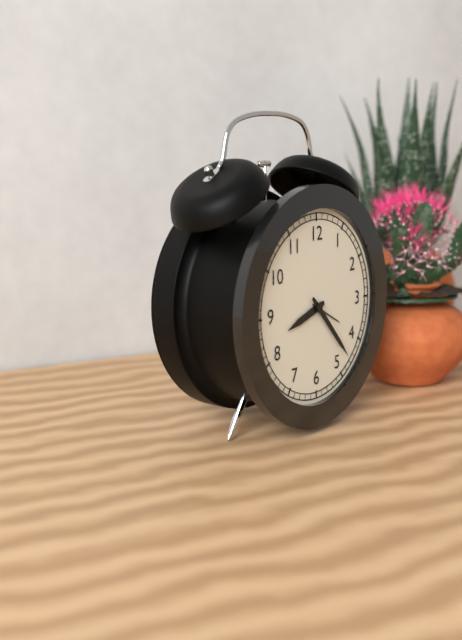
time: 8:23
